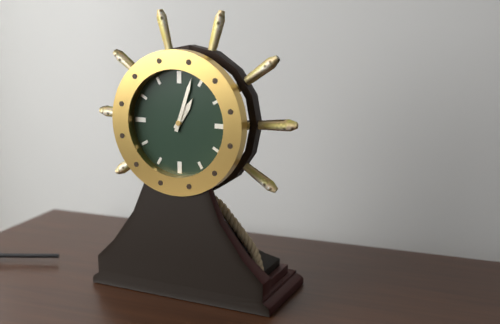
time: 1:03
